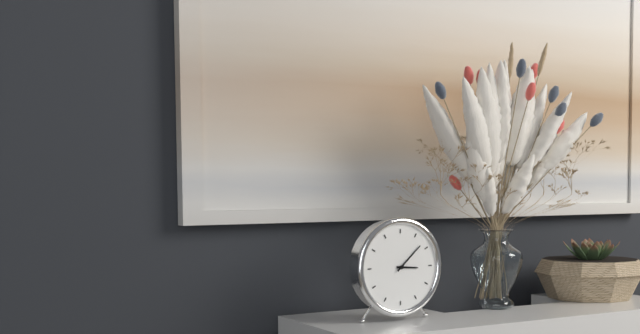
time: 3:08
